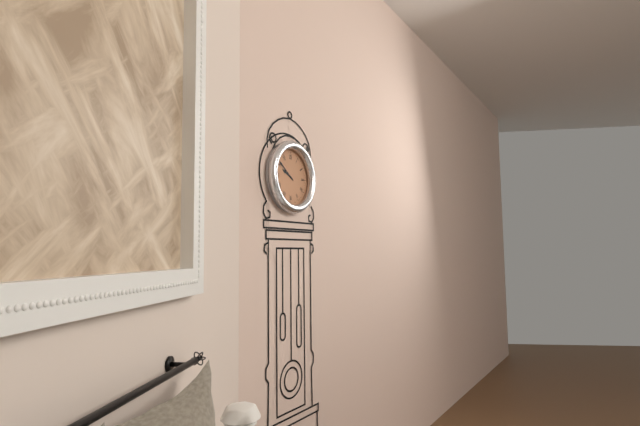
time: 9:51
